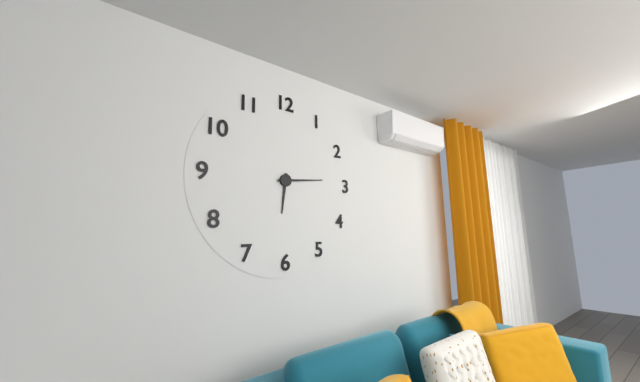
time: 6:14
